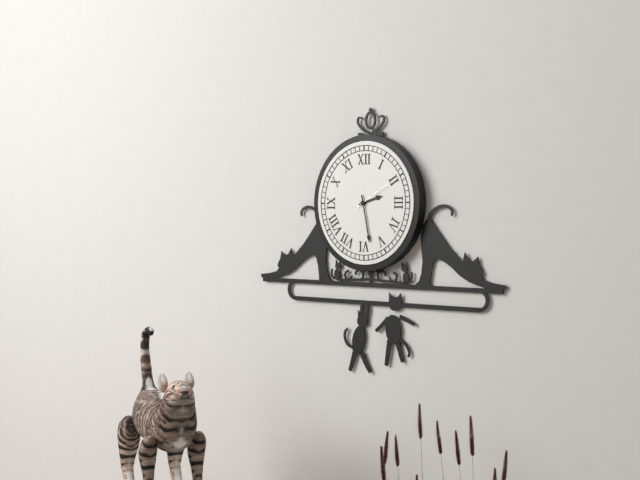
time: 2:28
